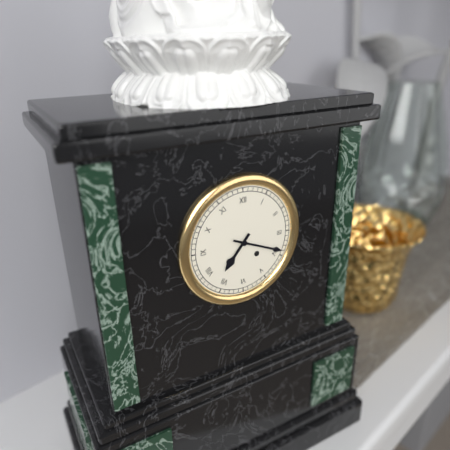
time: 7:19
